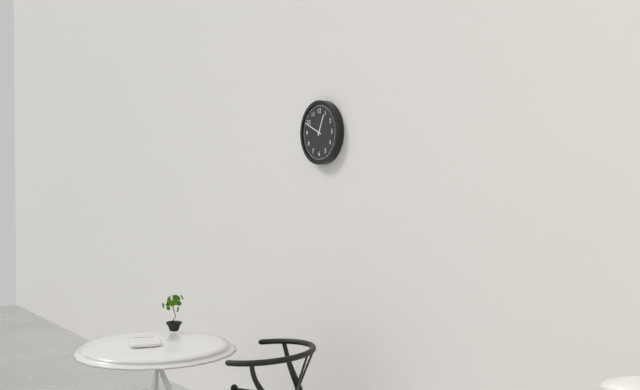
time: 12:49
